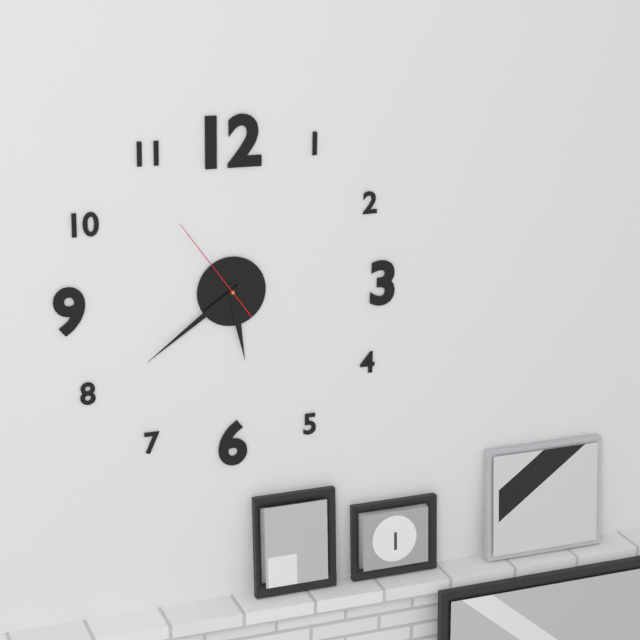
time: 5:39:54
